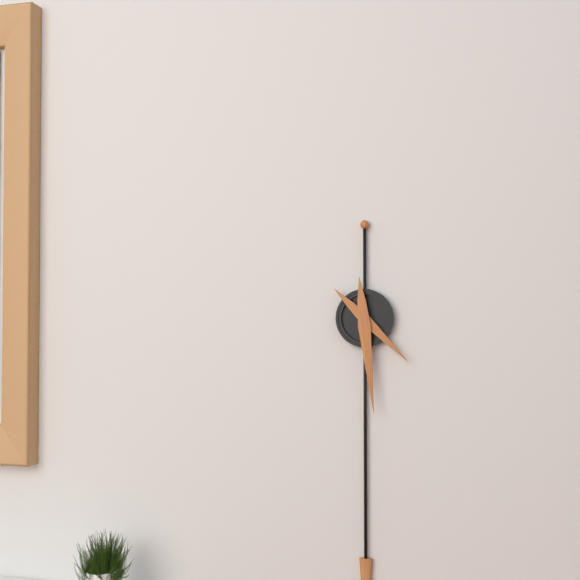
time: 4:29
